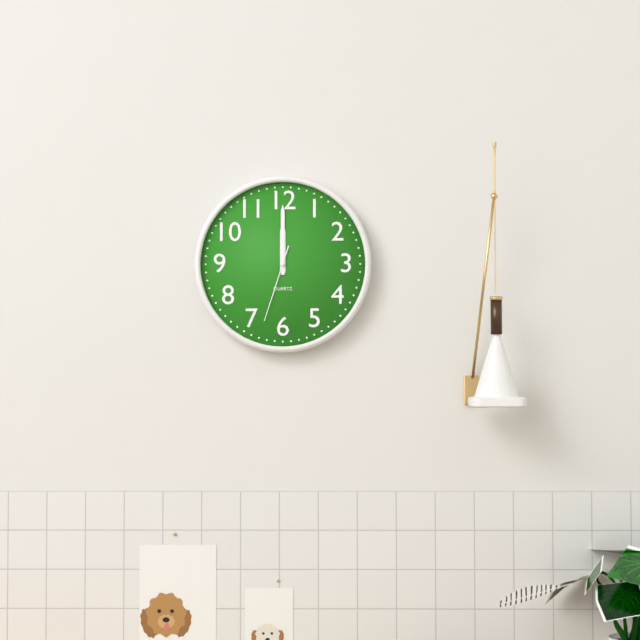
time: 12:00:33
